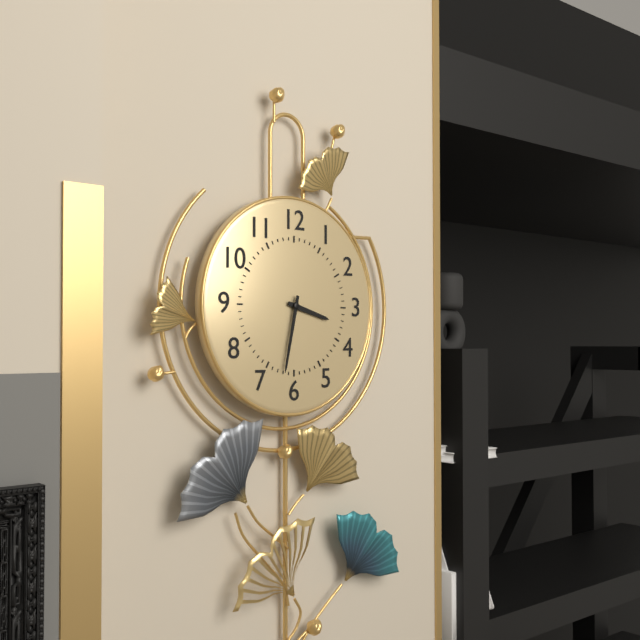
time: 3:32
